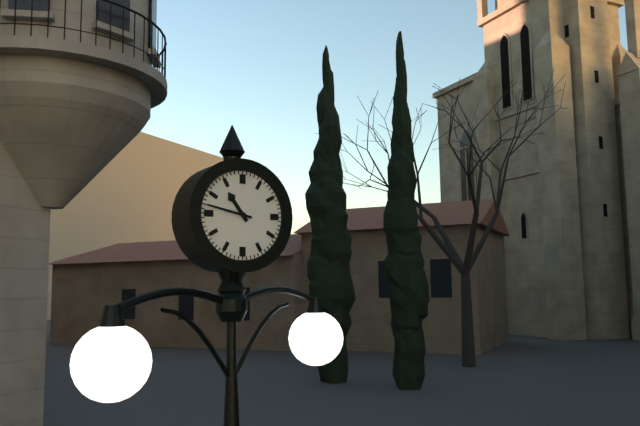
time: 10:47
